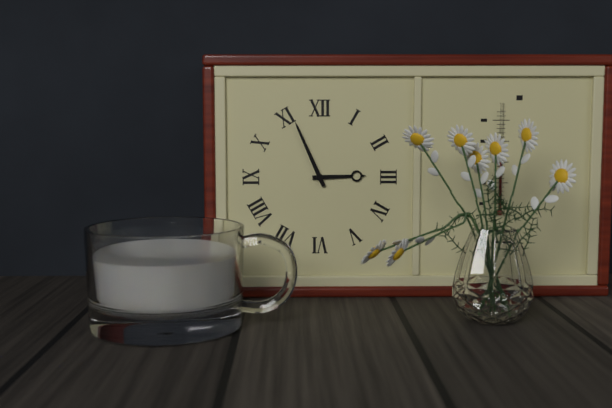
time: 2:56
